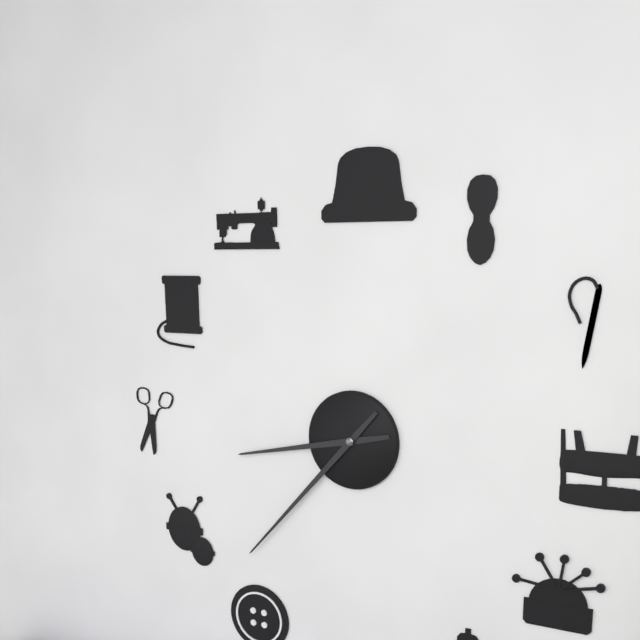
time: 8:37
